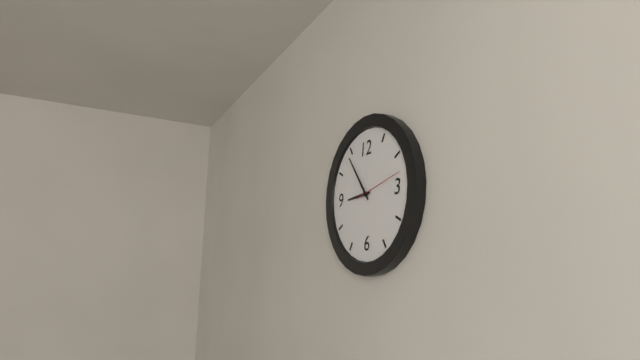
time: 8:54:13
